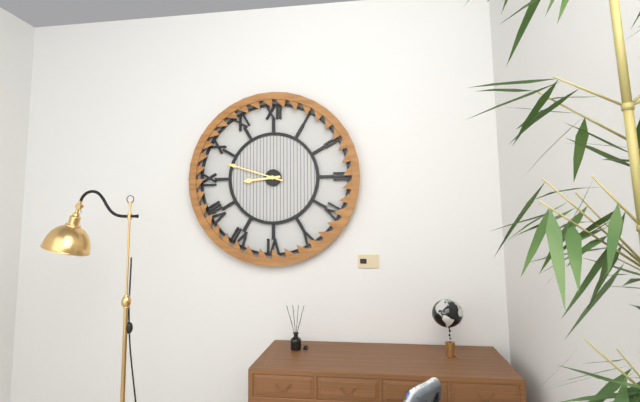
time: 8:48
